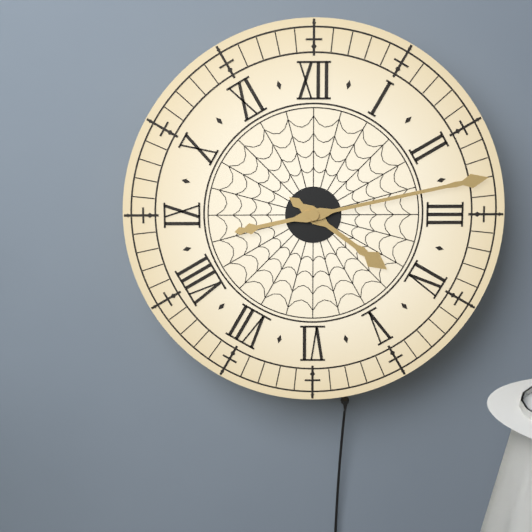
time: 4:13
